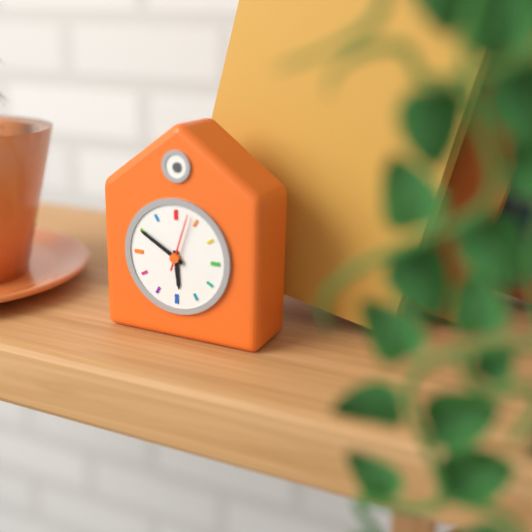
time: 5:50
